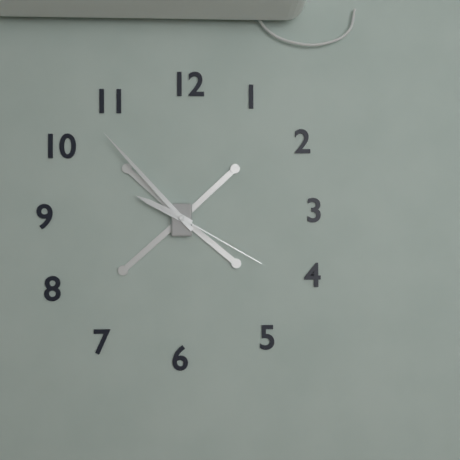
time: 9:53:20
